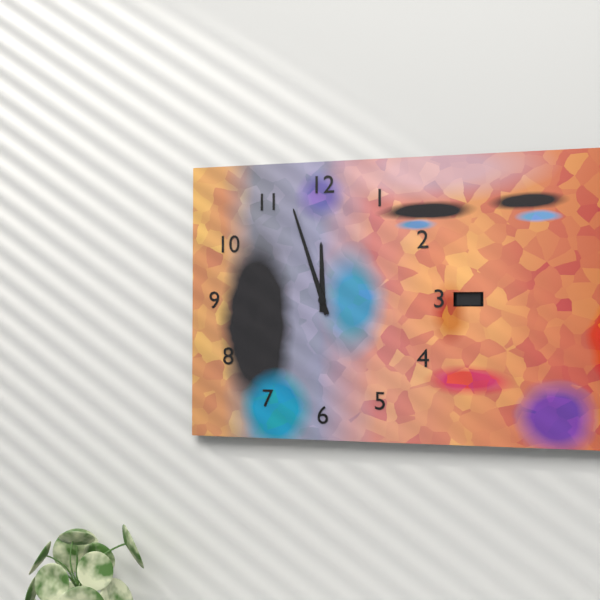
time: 11:57
